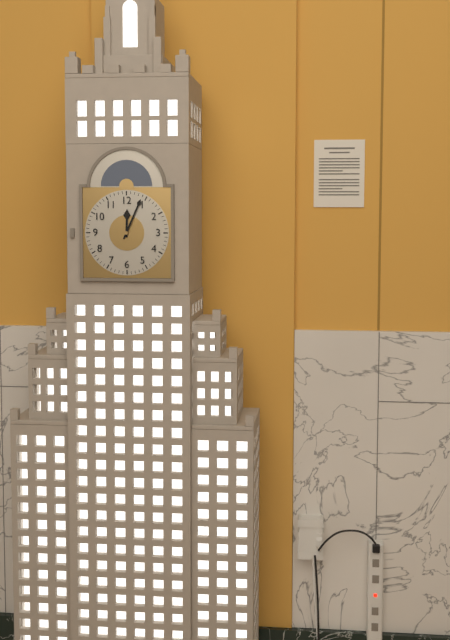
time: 12:04
